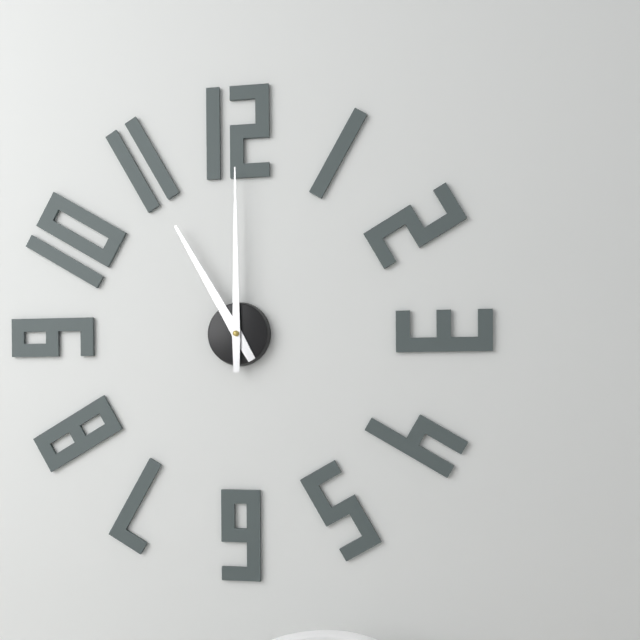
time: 11:00
